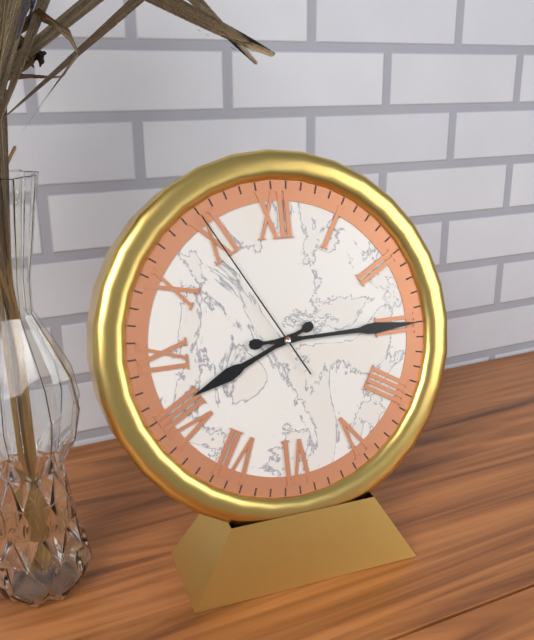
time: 8:15:55
